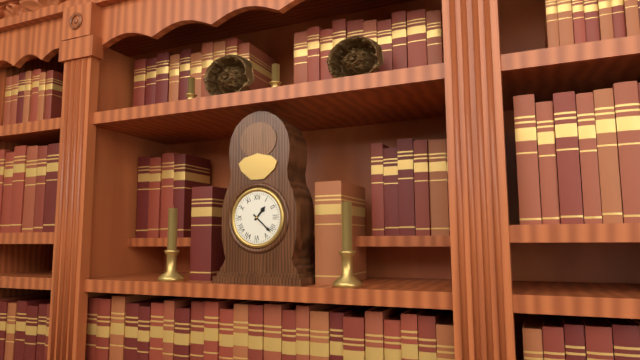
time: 1:22
